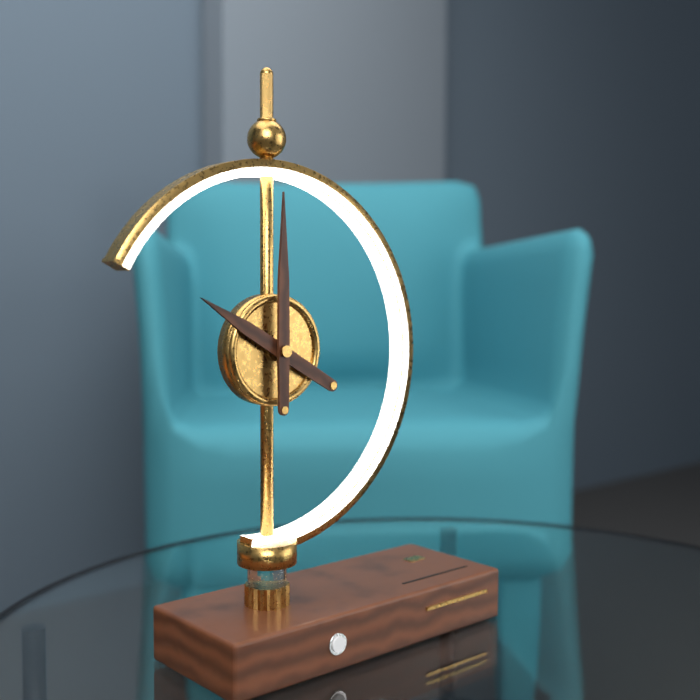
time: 10:00
